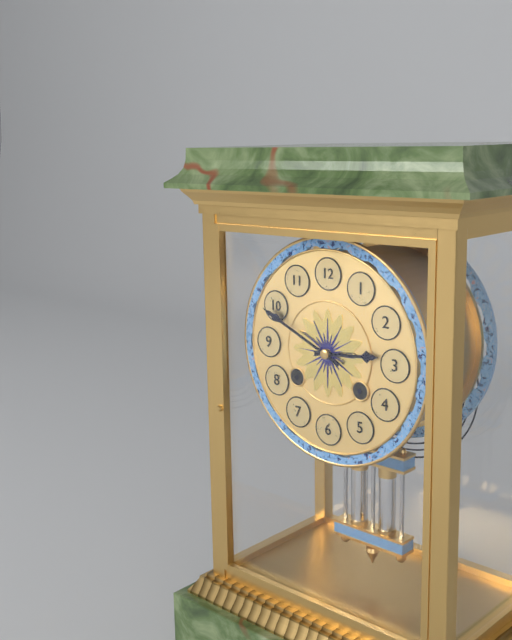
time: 2:49
